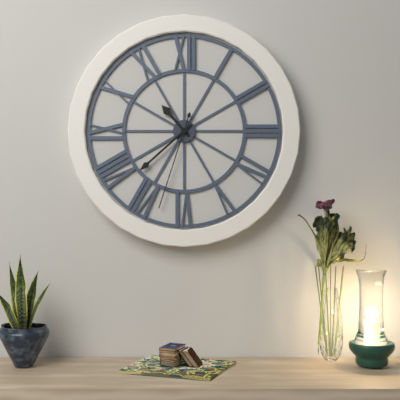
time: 10:38:33
